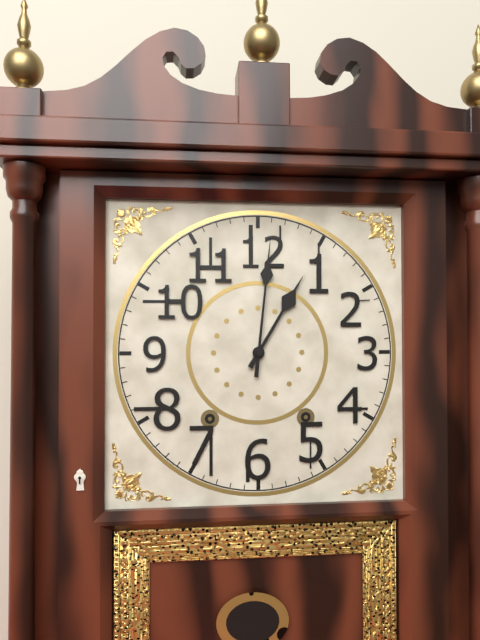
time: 1:01
